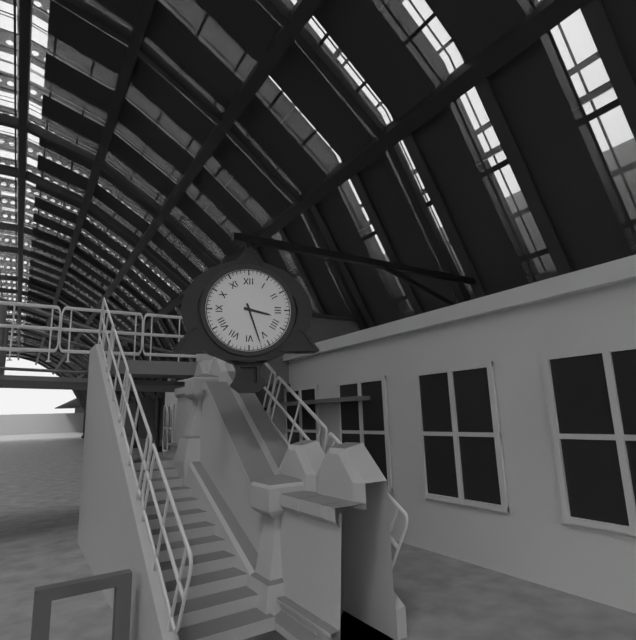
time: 3:27
